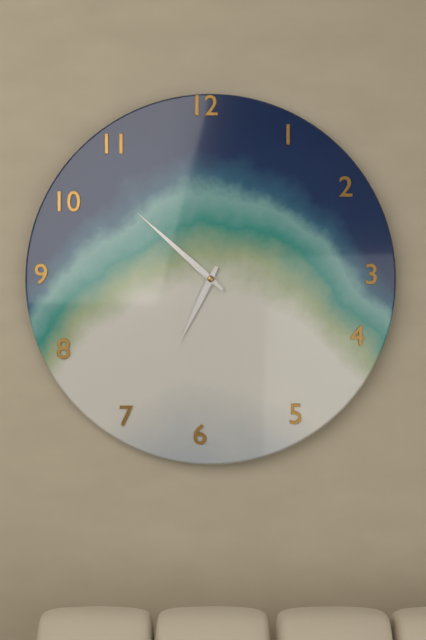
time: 6:52
